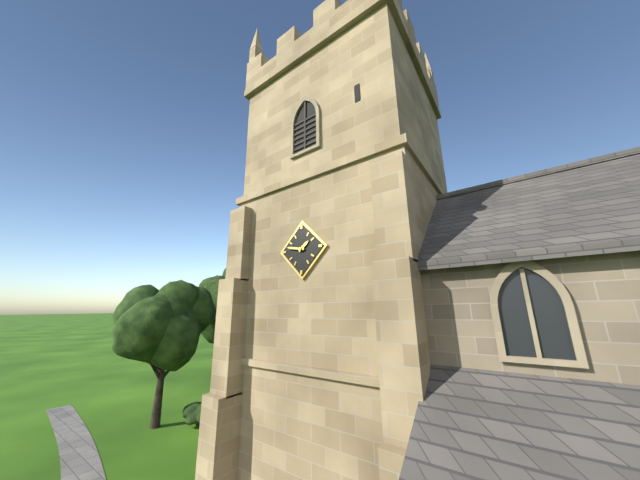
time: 1:47
